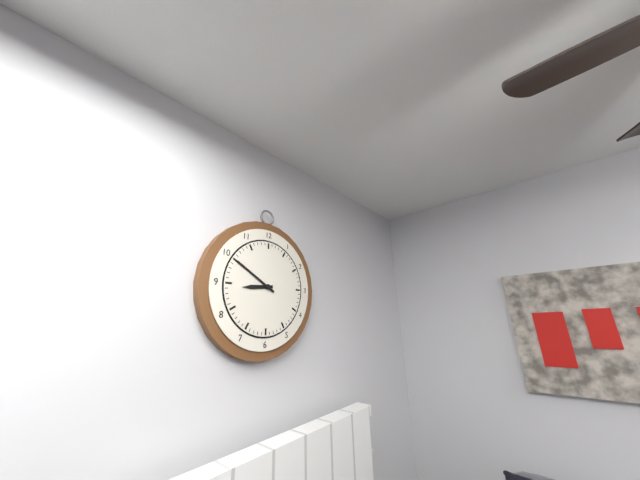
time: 8:50
